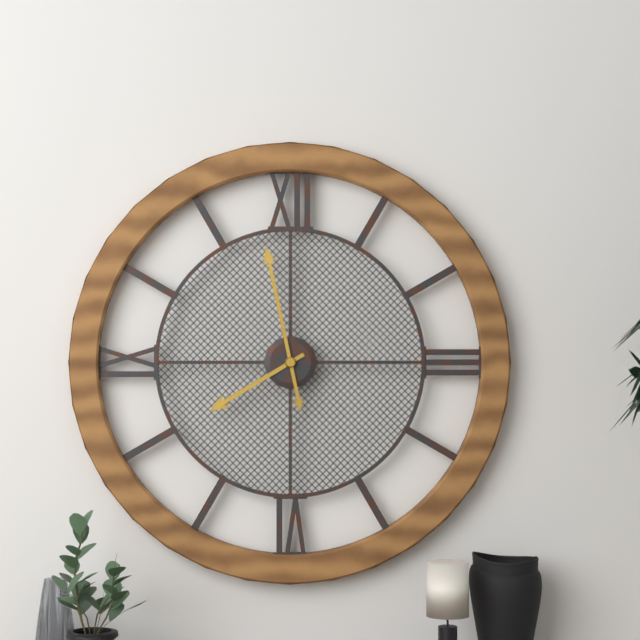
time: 7:58
